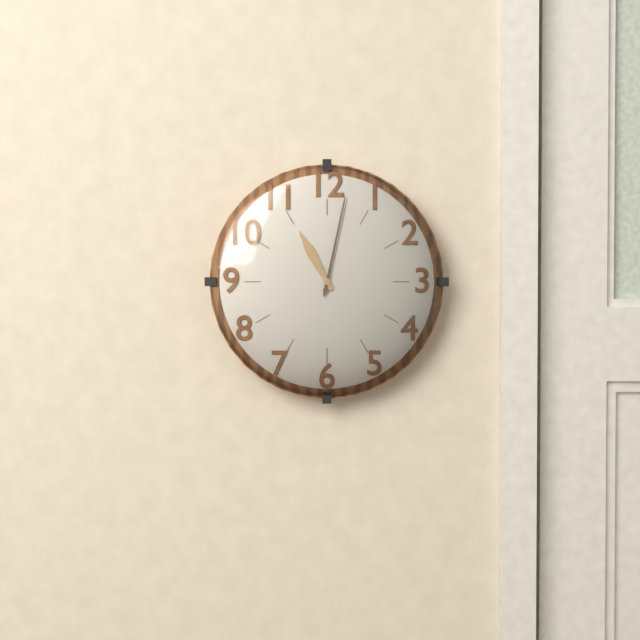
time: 11:02
